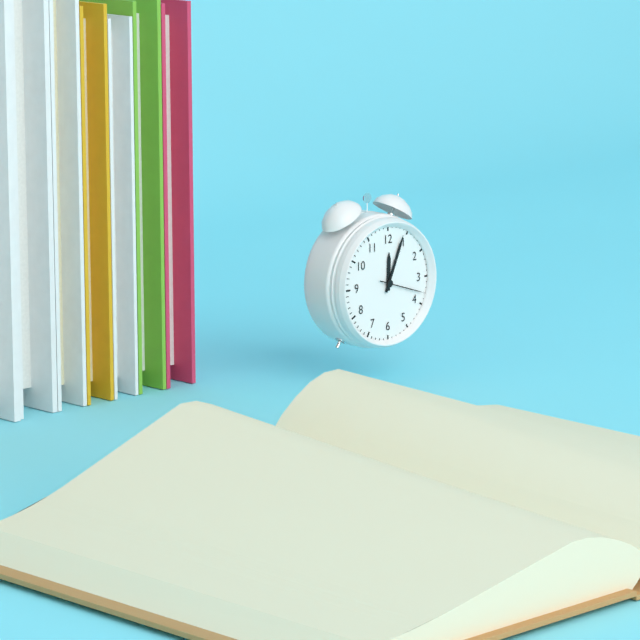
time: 12:04
